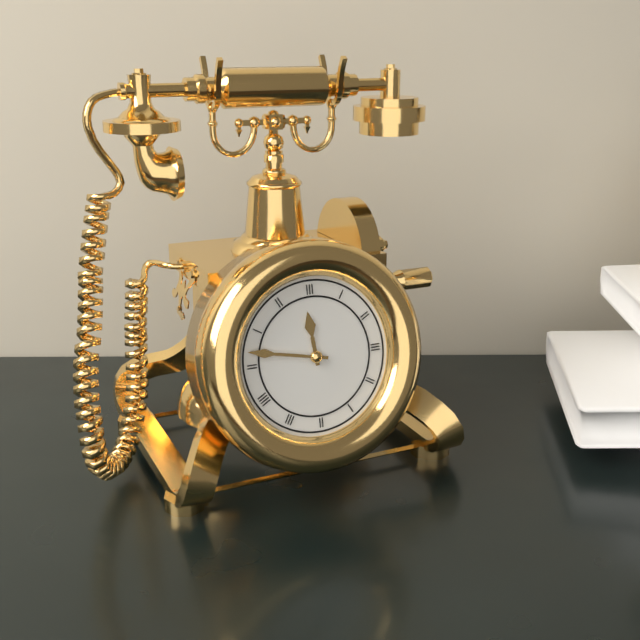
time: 11:47
